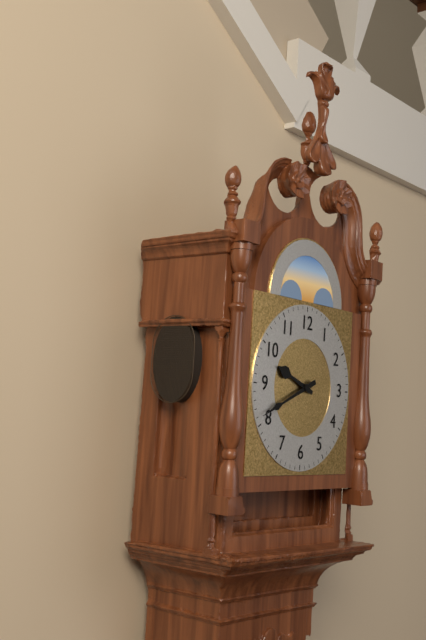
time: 9:41
